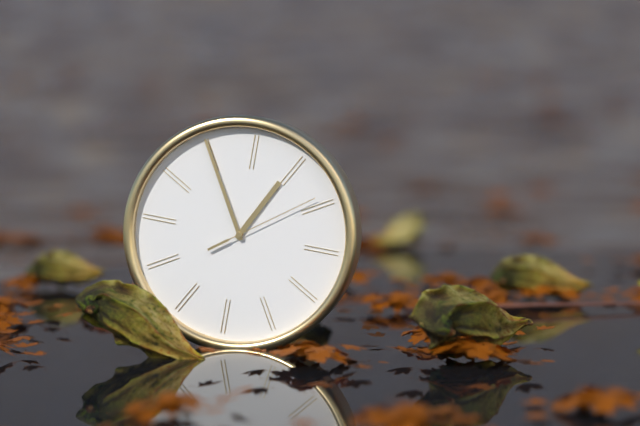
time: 12:55:09
